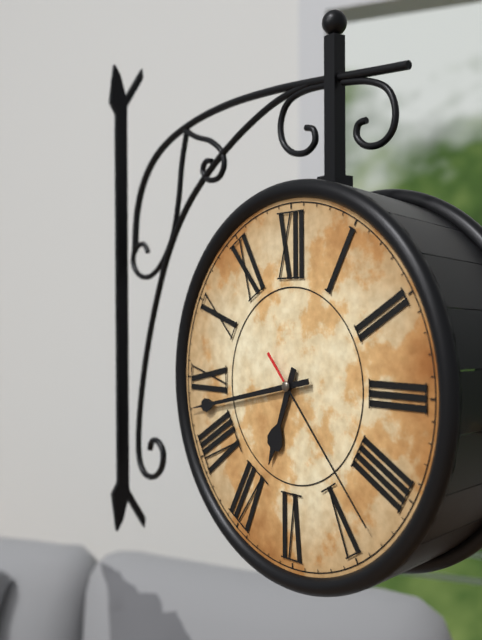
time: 6:43:23
